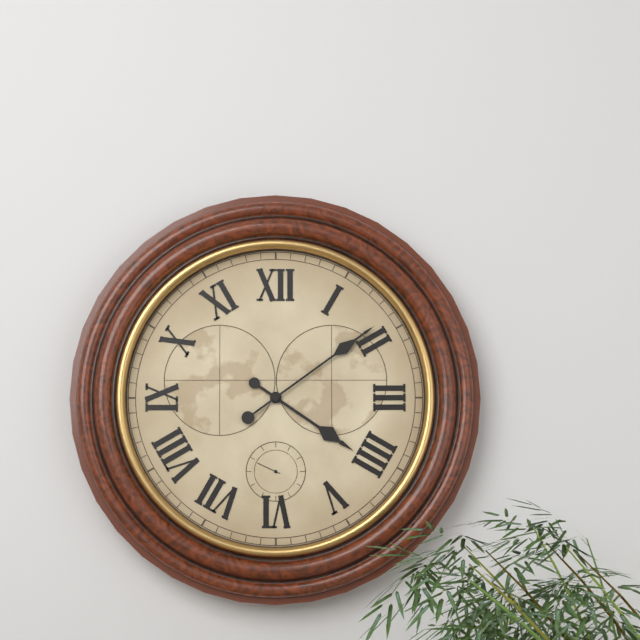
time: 4:09
